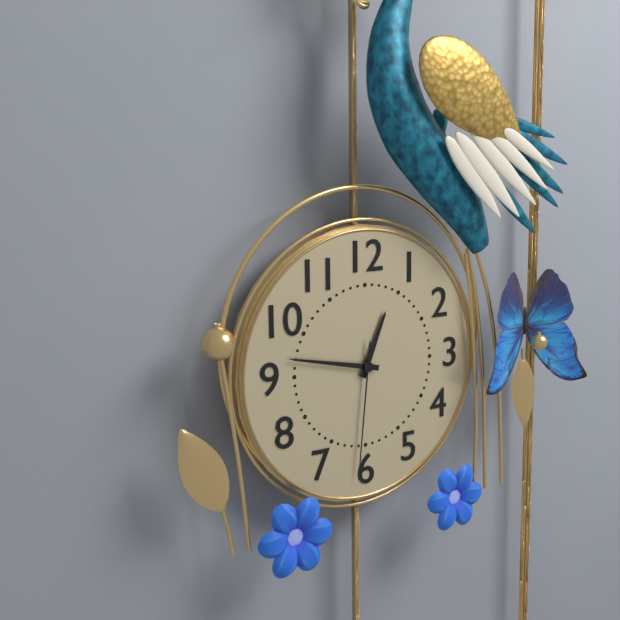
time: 12:47:31
